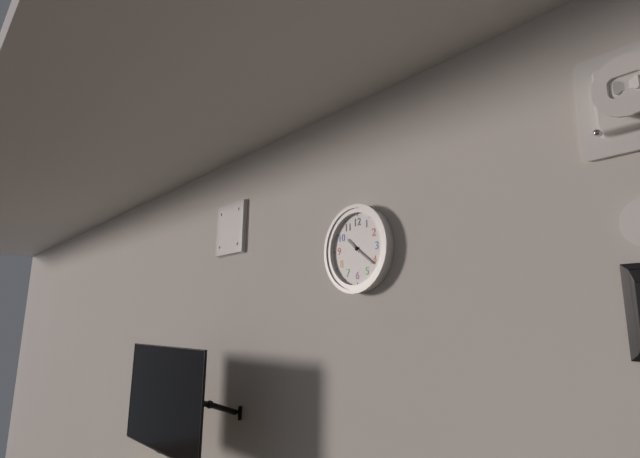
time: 10:21
